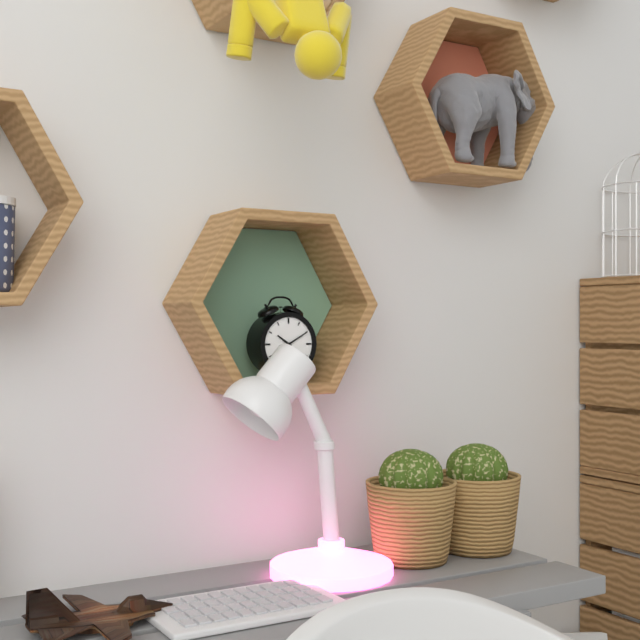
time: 10:10
